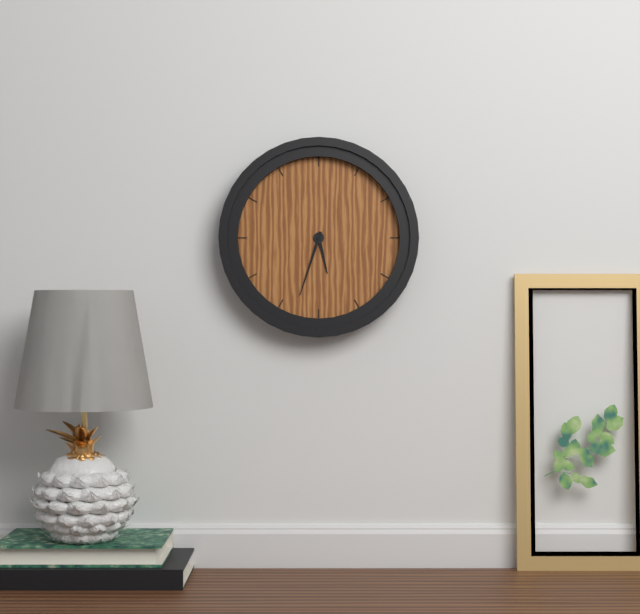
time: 5:33
